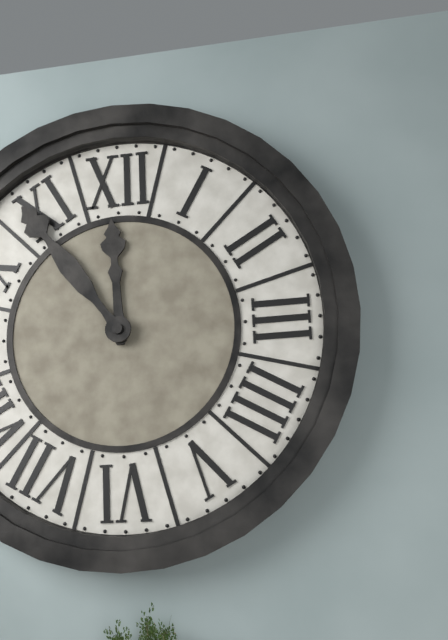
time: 11:54
